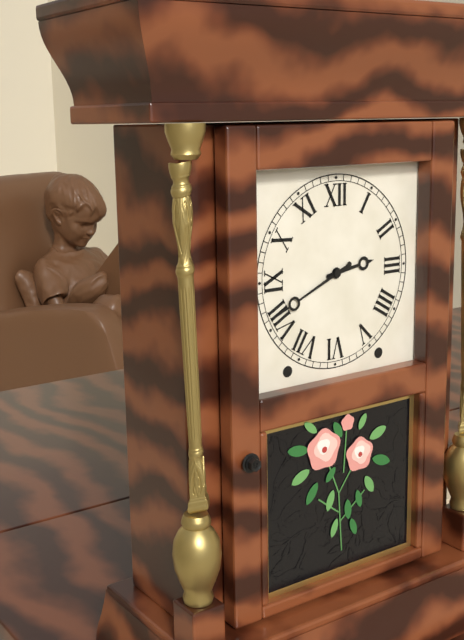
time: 2:41
